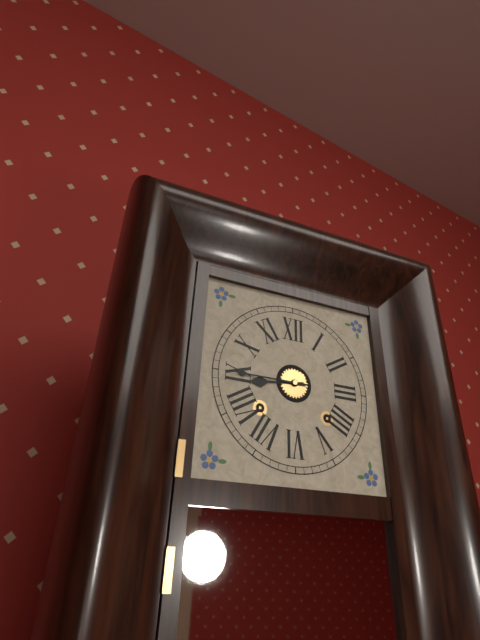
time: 8:45
